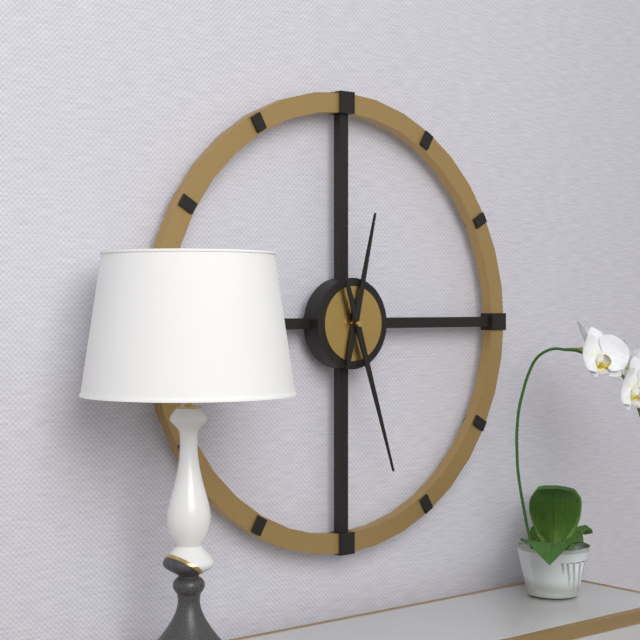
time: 12:27
